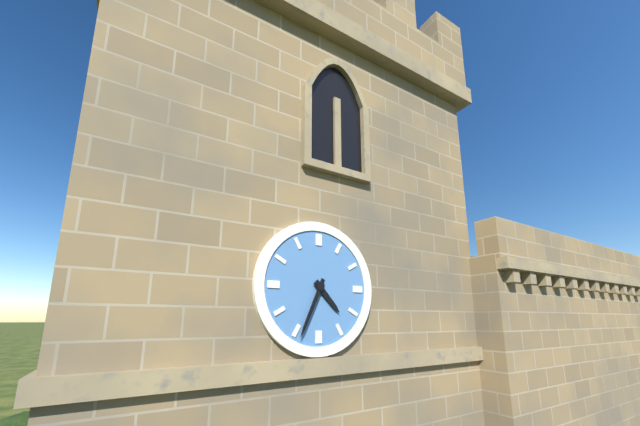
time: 4:34
